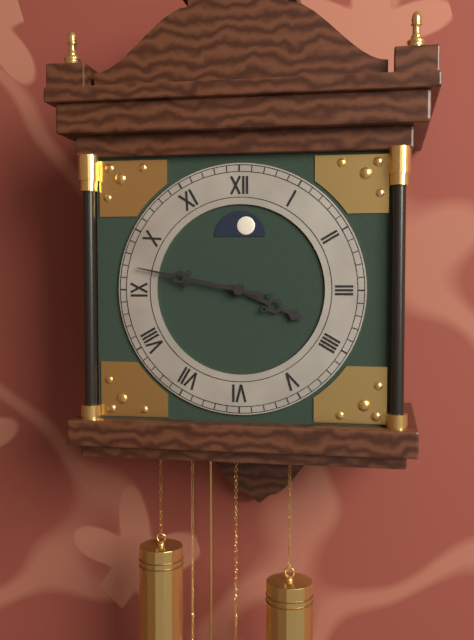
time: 3:47
